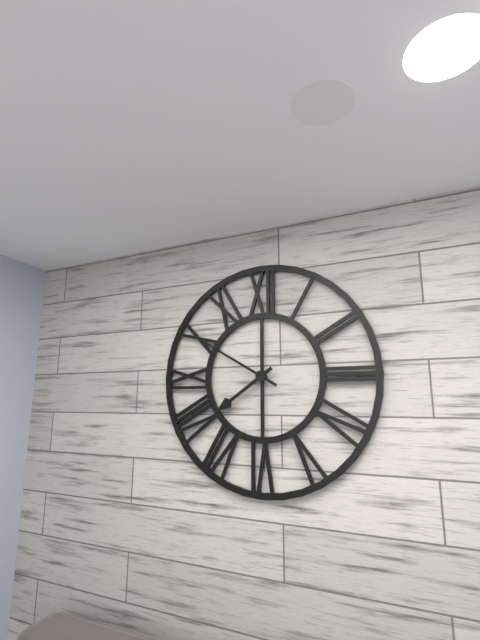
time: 7:50
